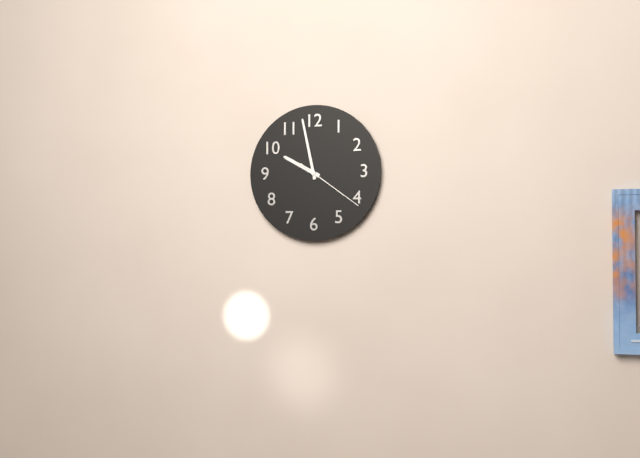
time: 9:58:21
